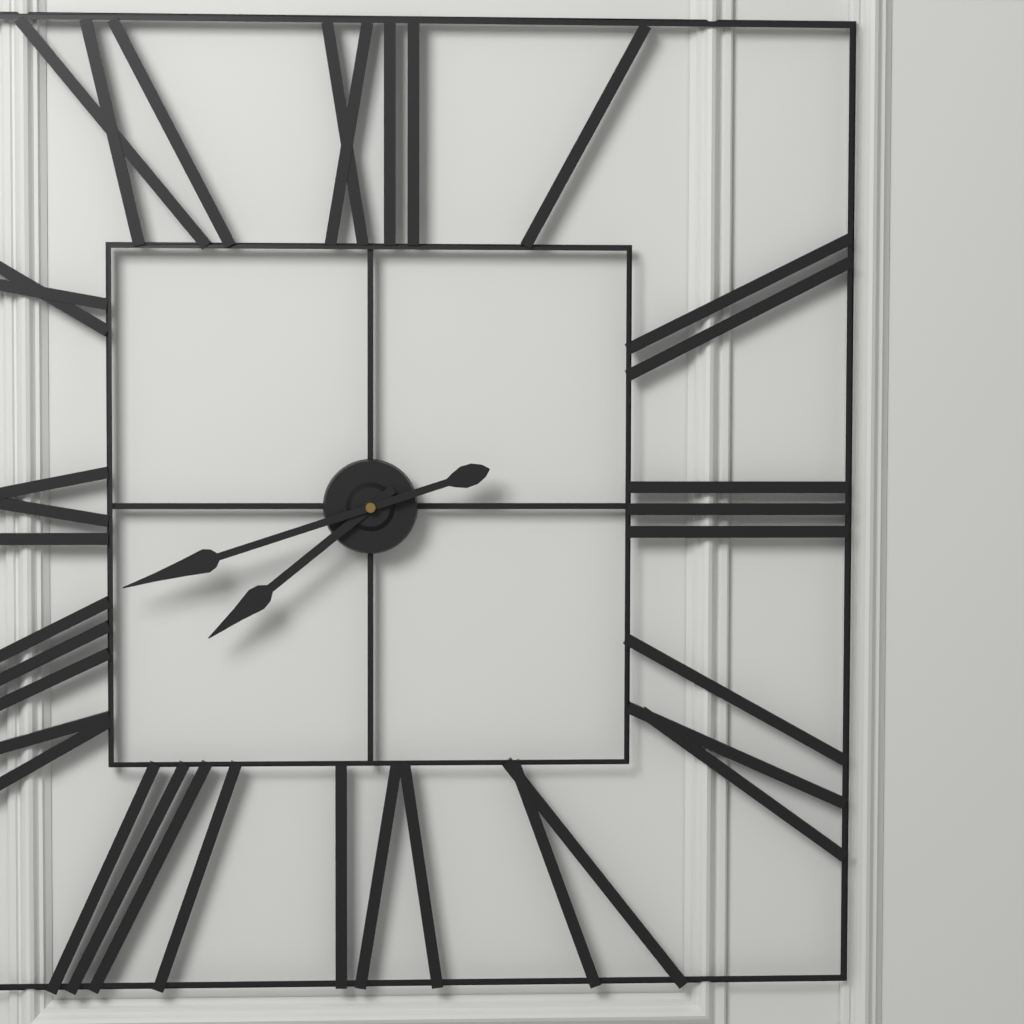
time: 7:42
